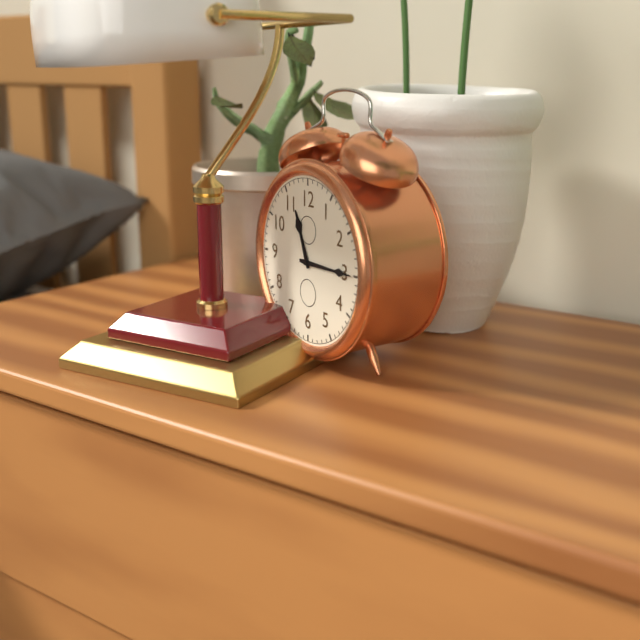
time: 11:15
